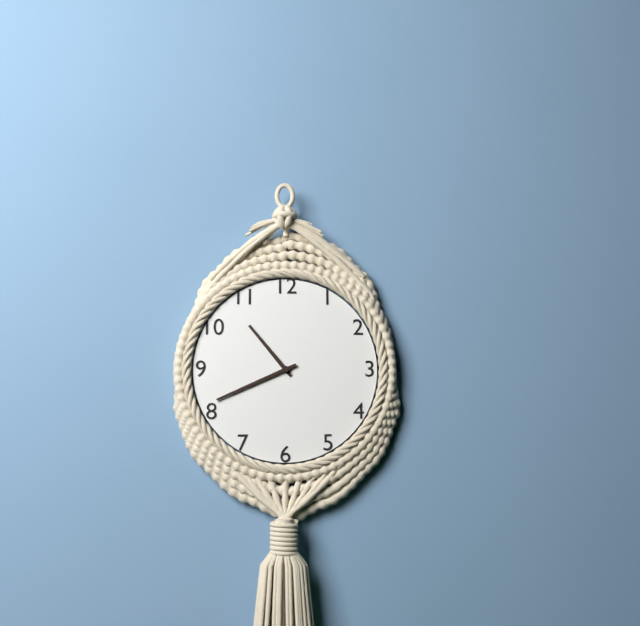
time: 10:41
